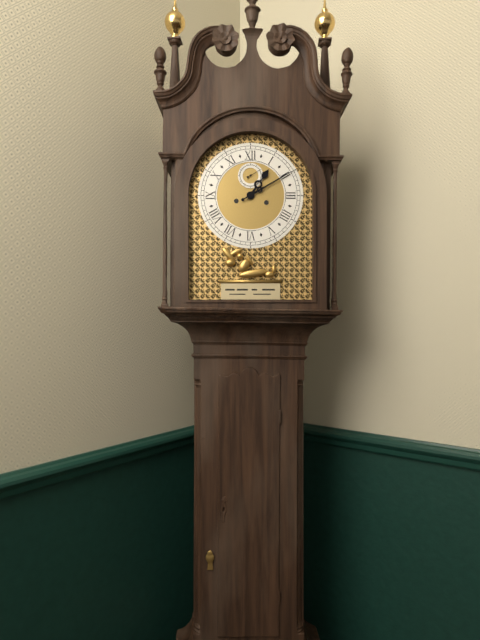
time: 1:10
